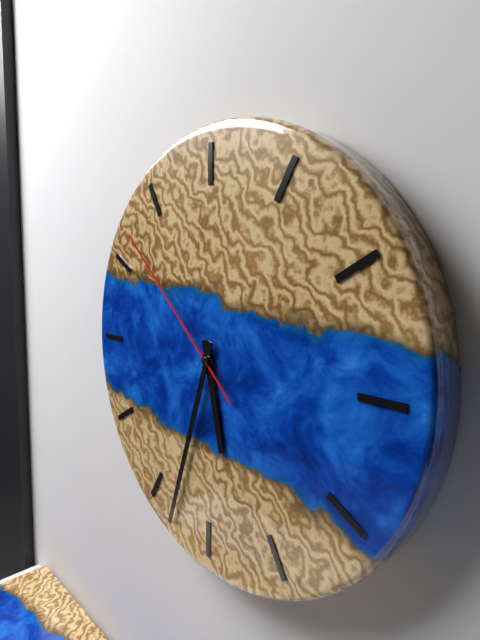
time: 5:33:52
